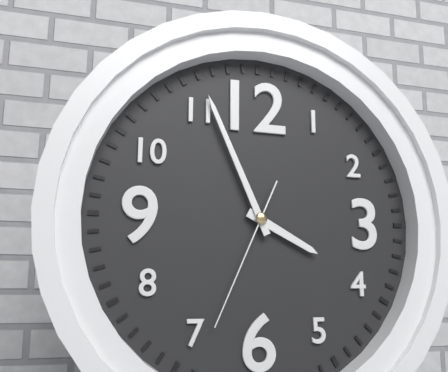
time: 3:56:34
